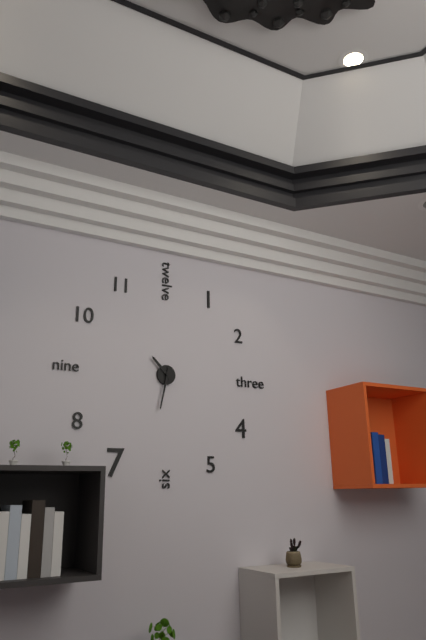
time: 10:32
